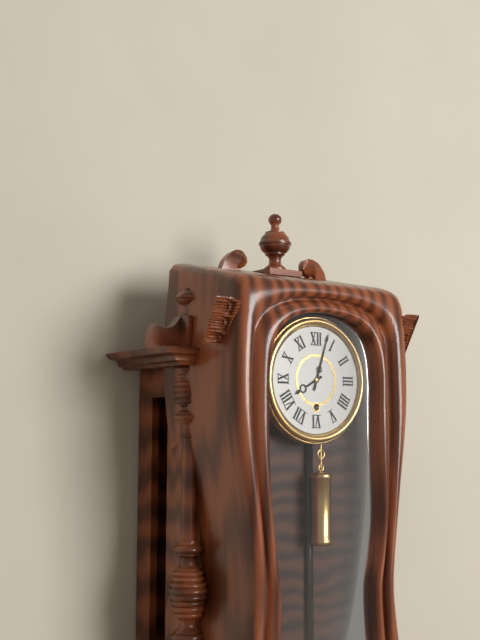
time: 8:03
